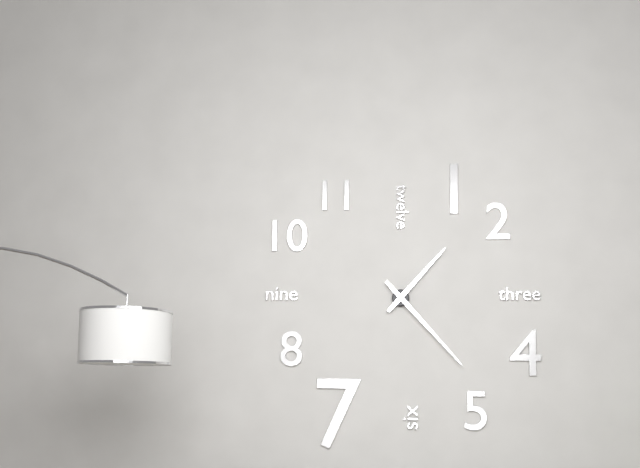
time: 1:23
